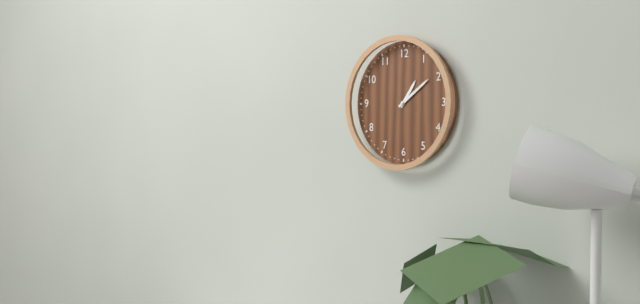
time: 1:09
